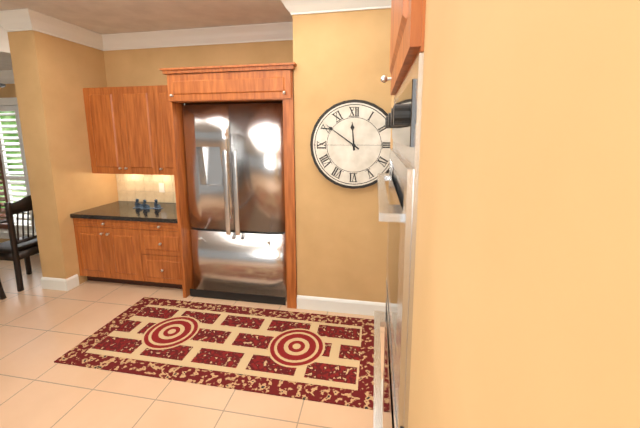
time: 11:51
